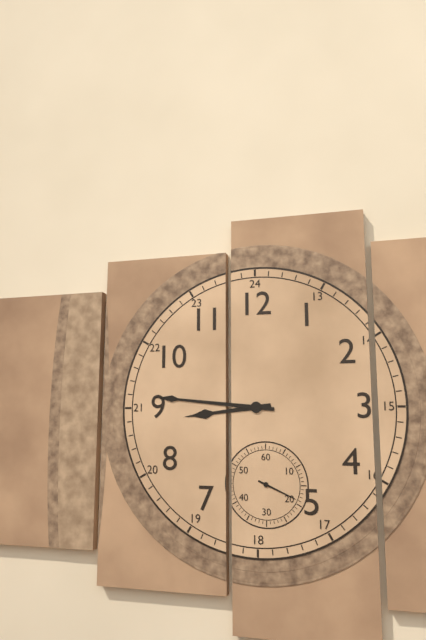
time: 8:46
